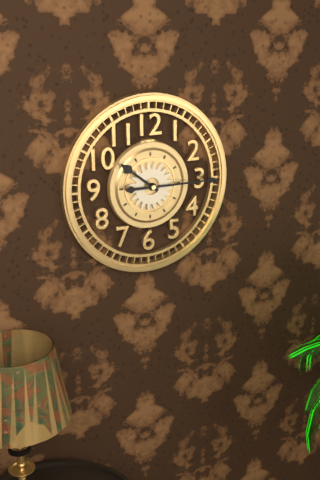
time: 10:15
